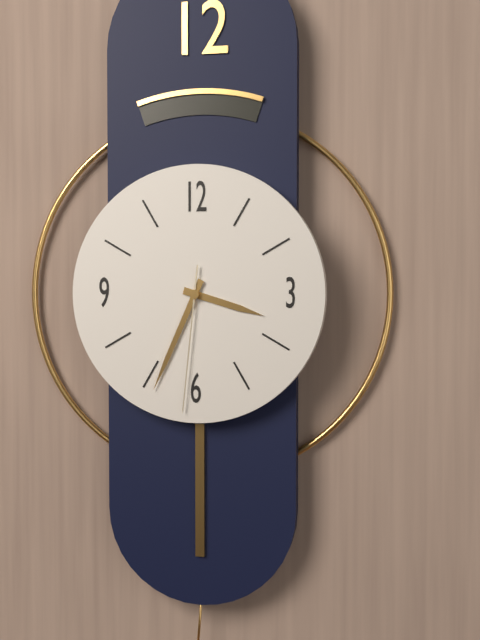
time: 3:34:31
